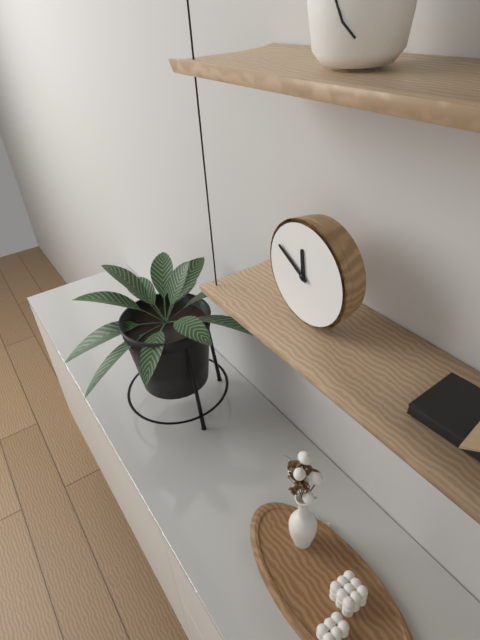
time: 11:50
